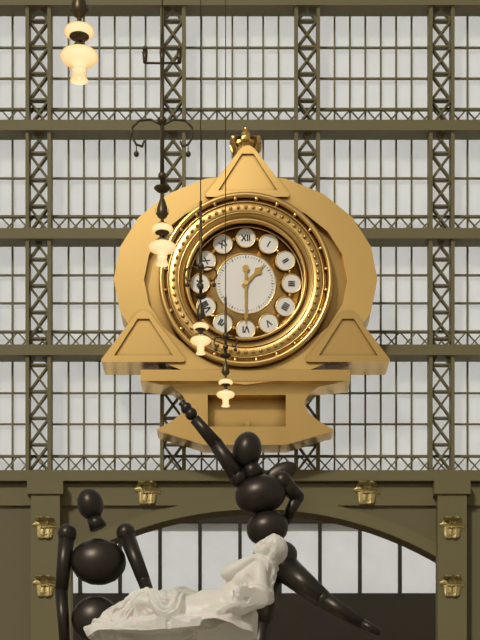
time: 1:30
